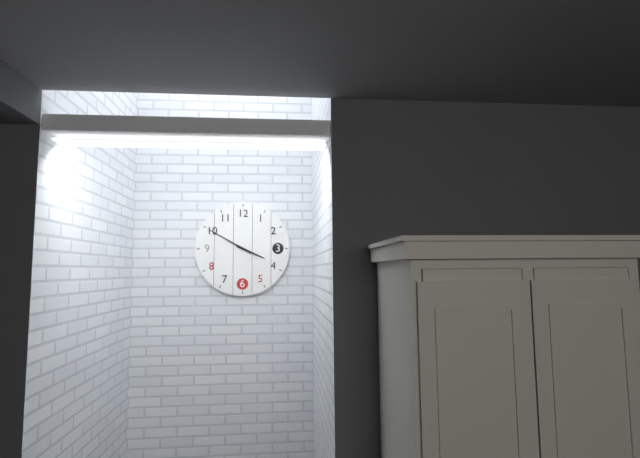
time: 3:50
